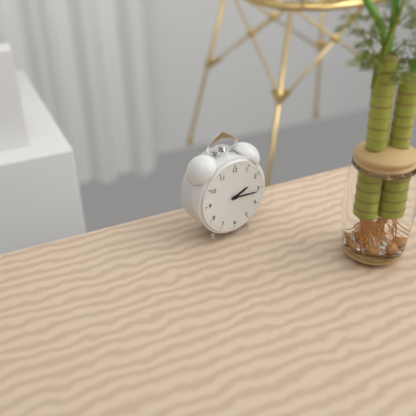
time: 2:16
